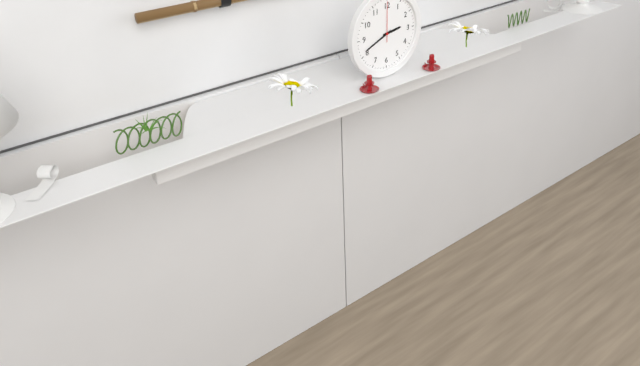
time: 2:41
